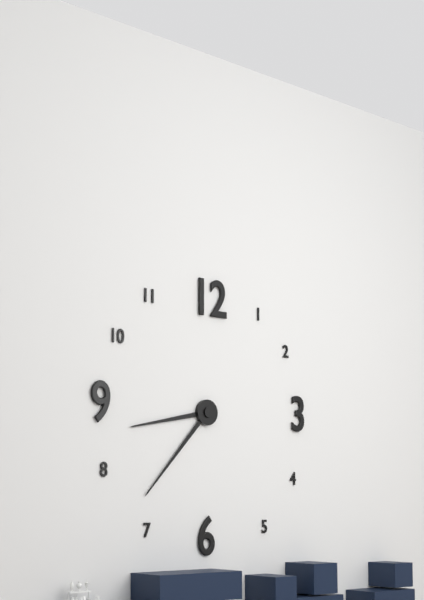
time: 8:37
